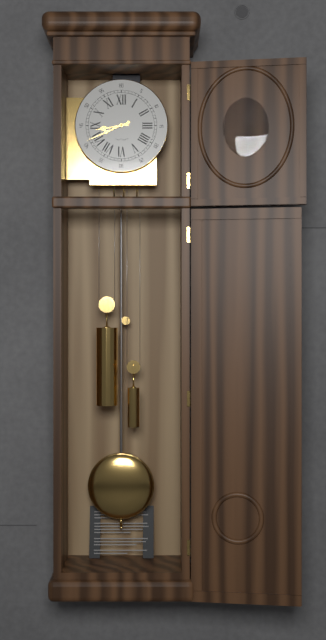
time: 8:41
